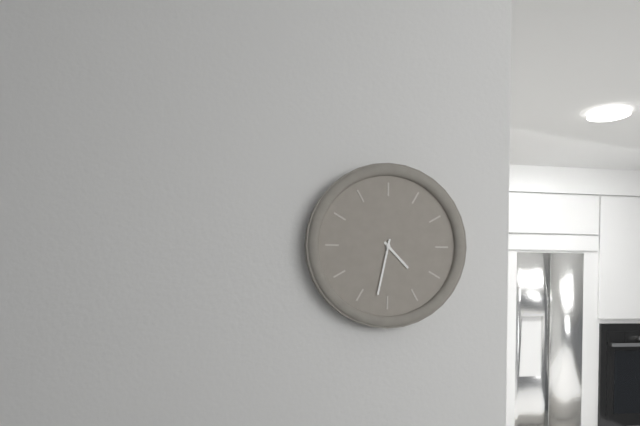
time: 4:32
